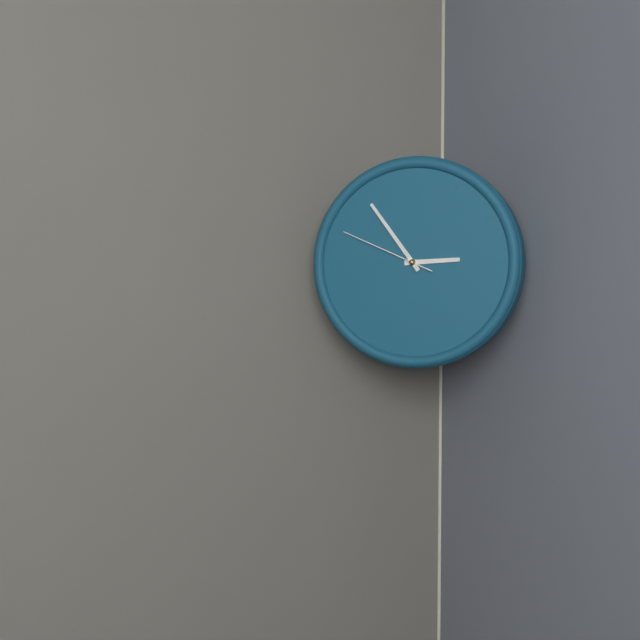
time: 2:54:49
